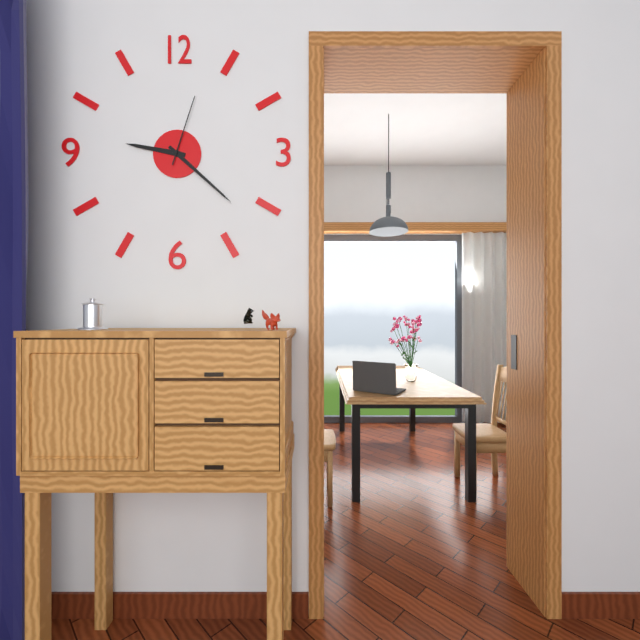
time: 9:22:03
